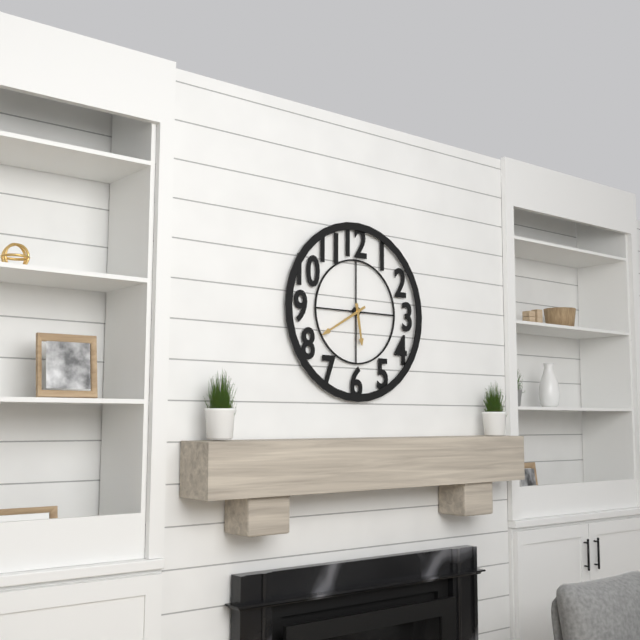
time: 5:40
